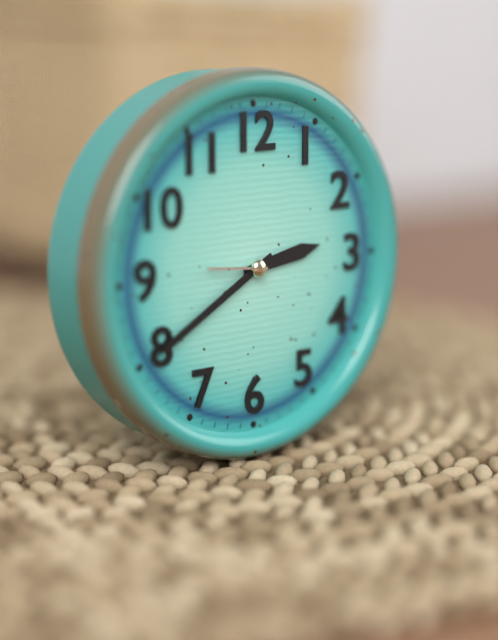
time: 2:40:46
